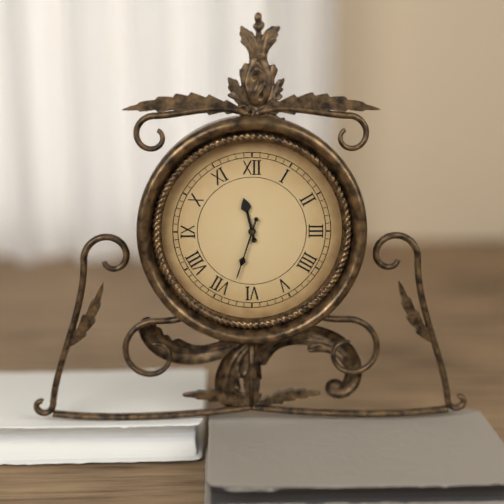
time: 11:33
